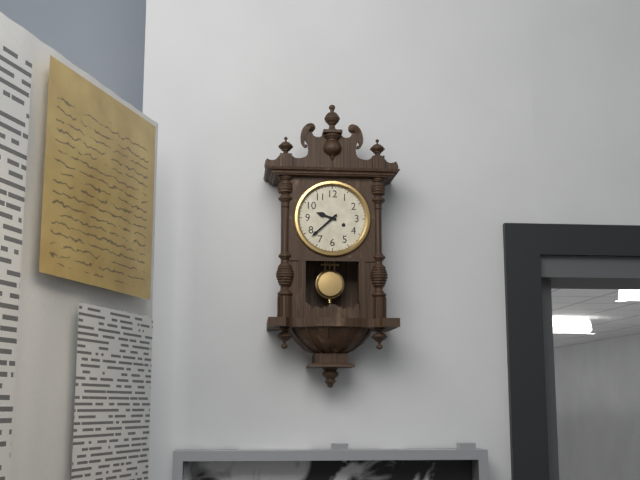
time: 9:38
